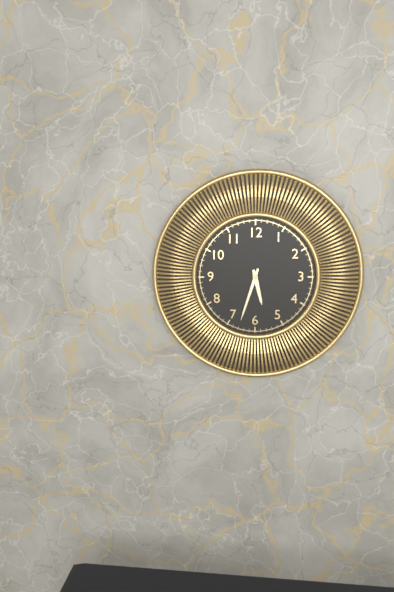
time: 5:33
